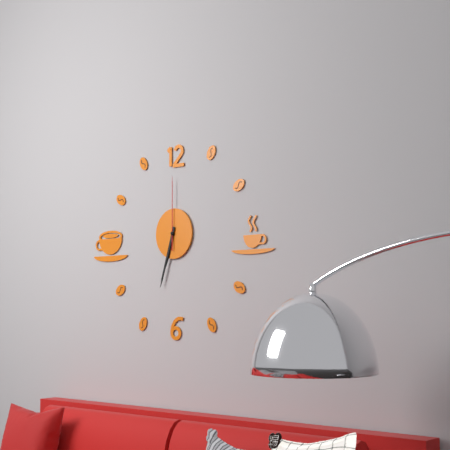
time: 6:33:00
